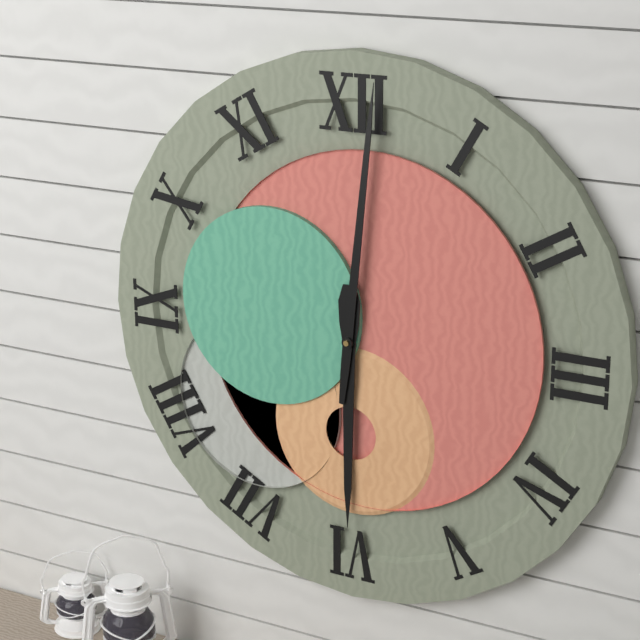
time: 6:01
